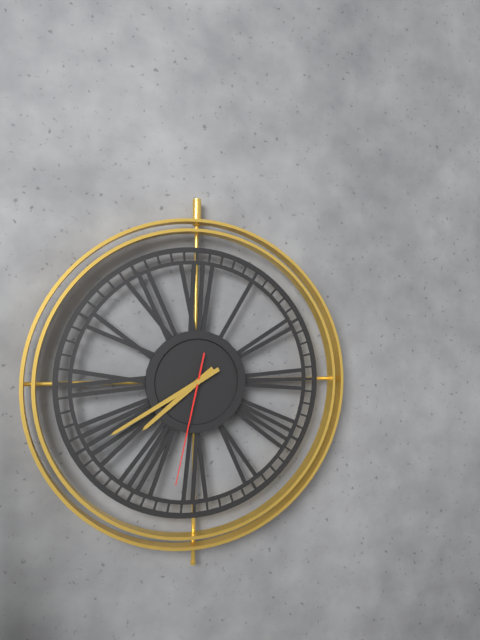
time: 7:40:32
